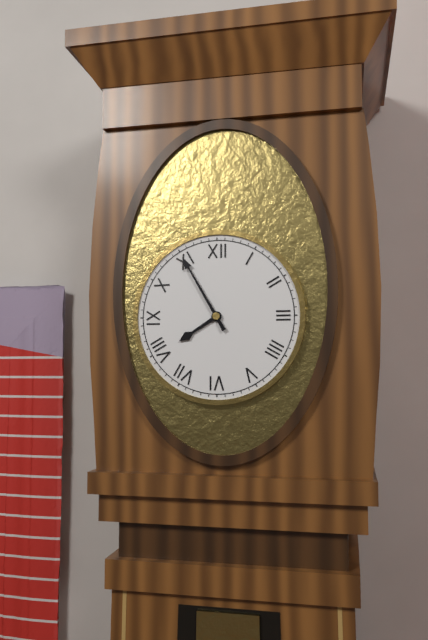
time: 7:55
